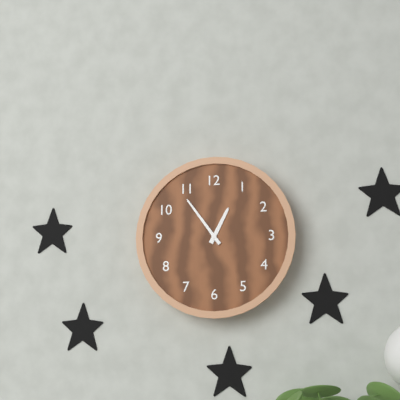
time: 12:54
